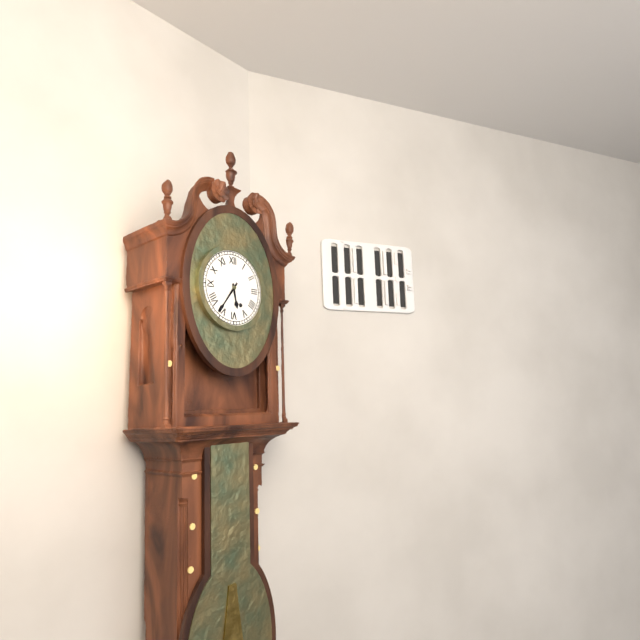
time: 5:36
